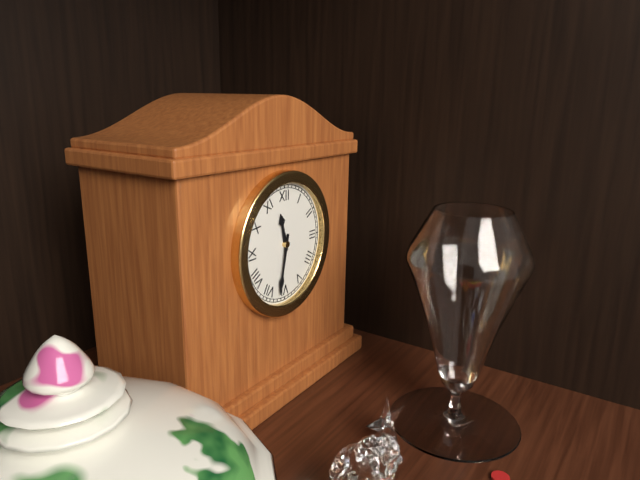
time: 11:32
